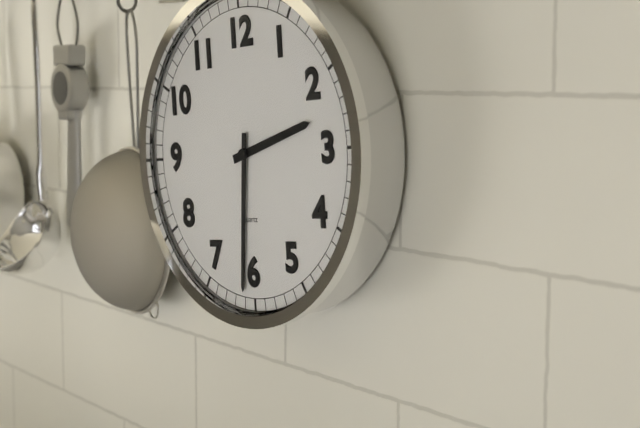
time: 2:31
